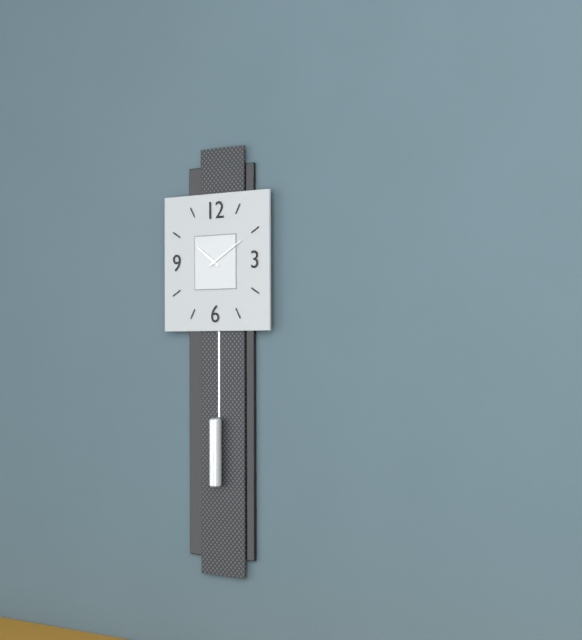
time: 10:10
